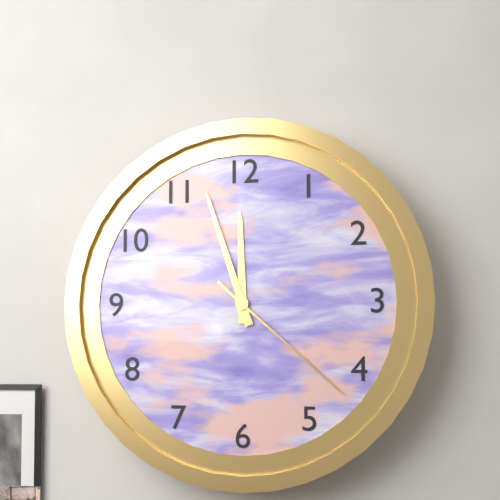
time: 11:57:22
